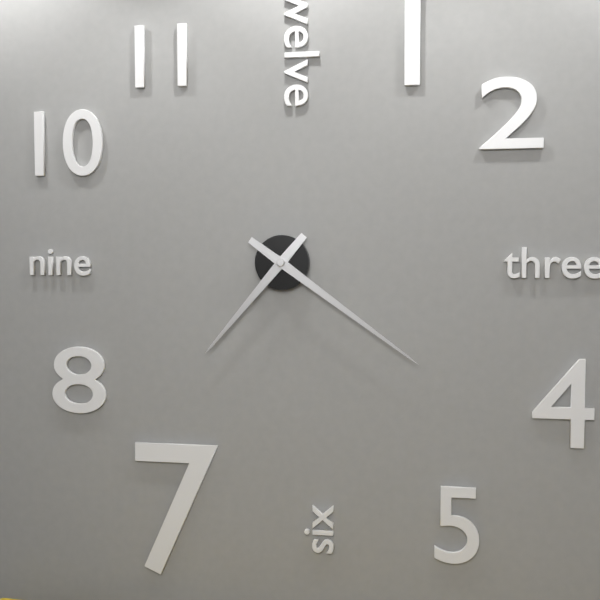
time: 7:21
